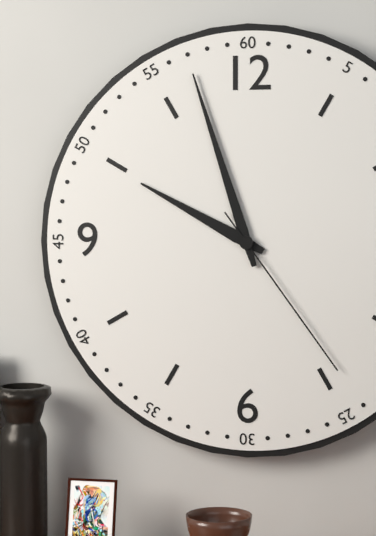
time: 9:57:24
